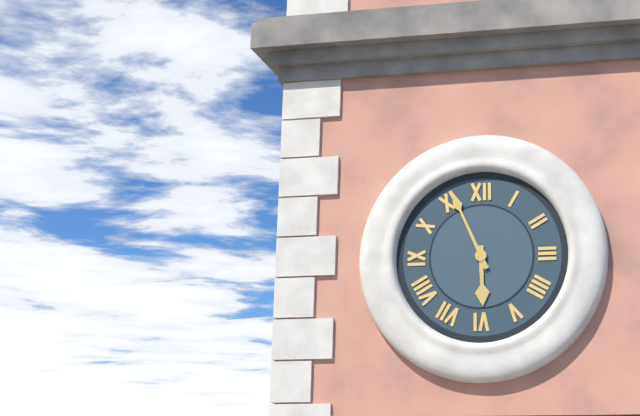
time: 5:56
